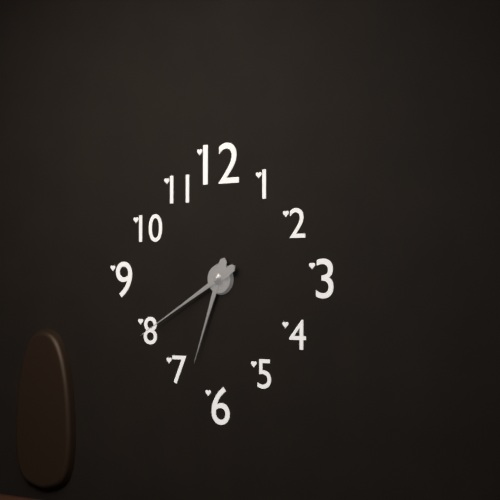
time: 6:40
